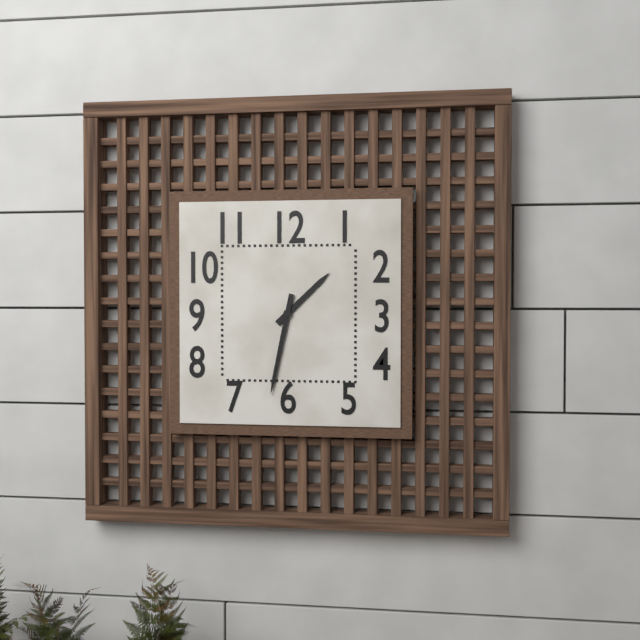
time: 1:32
